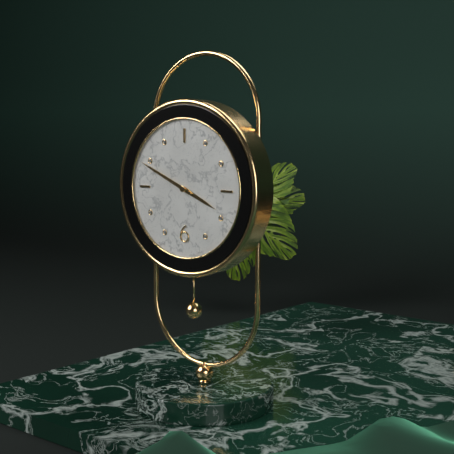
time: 3:49
